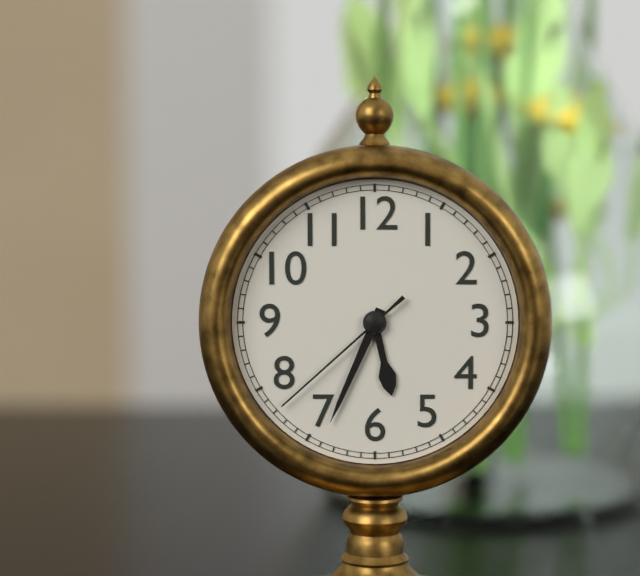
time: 5:34:38
